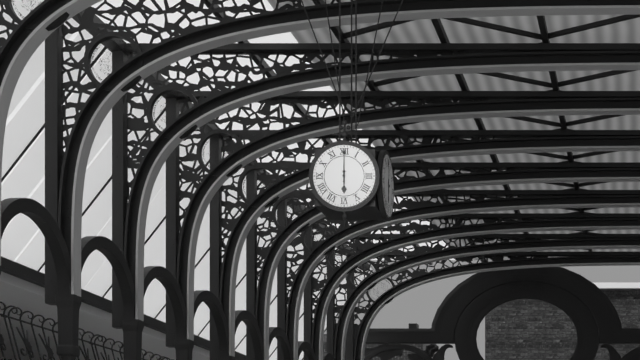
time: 6:00
